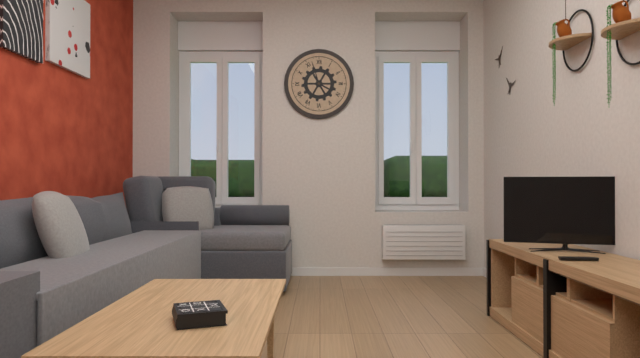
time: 3:57
